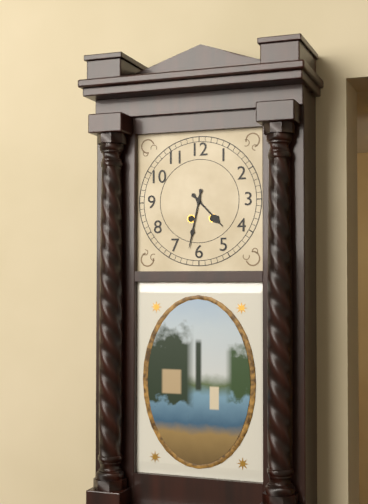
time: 4:32
